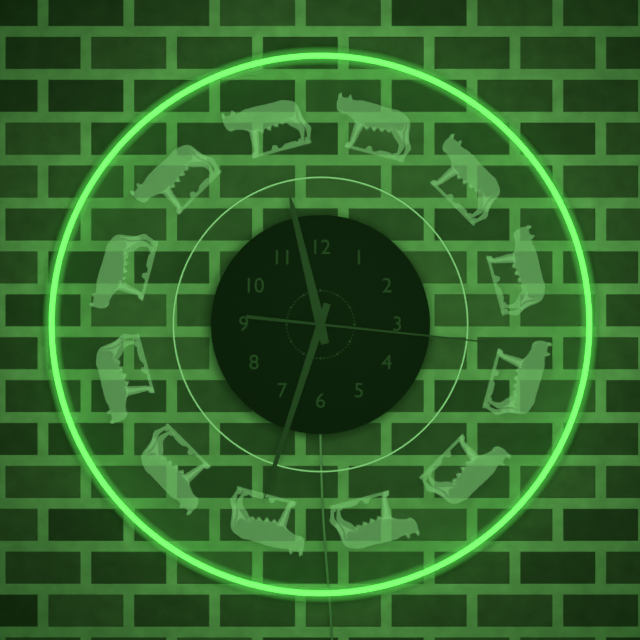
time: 11:33:16
